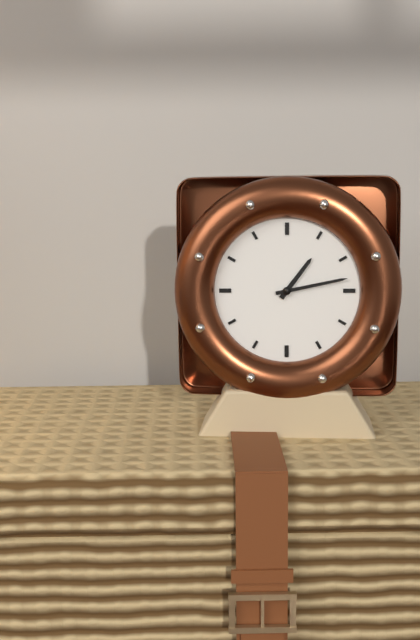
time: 1:13
